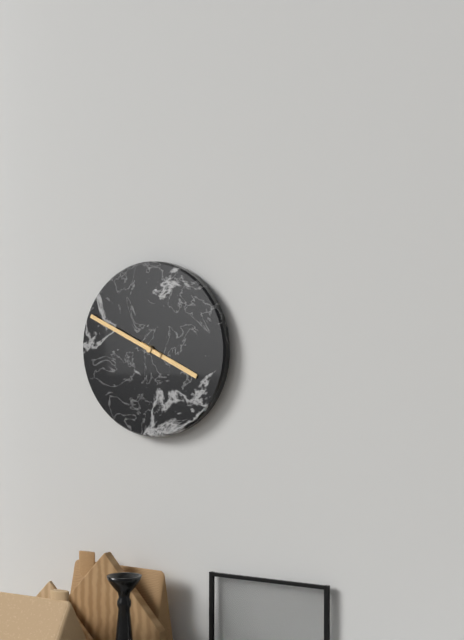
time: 3:49
